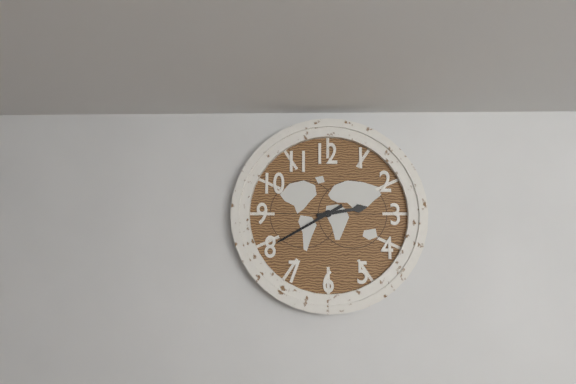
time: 2:40
